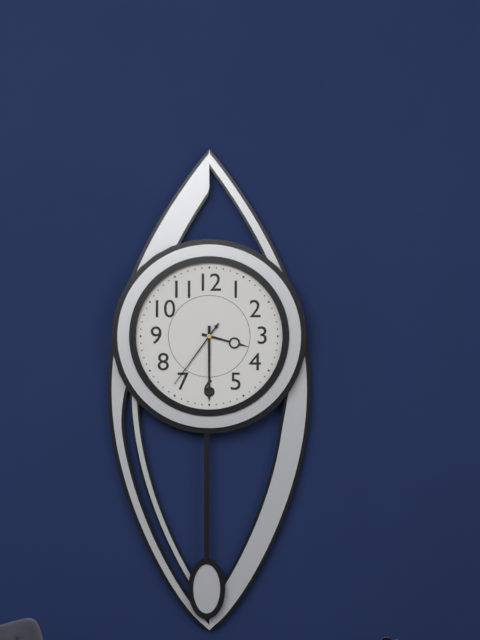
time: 3:30:36
